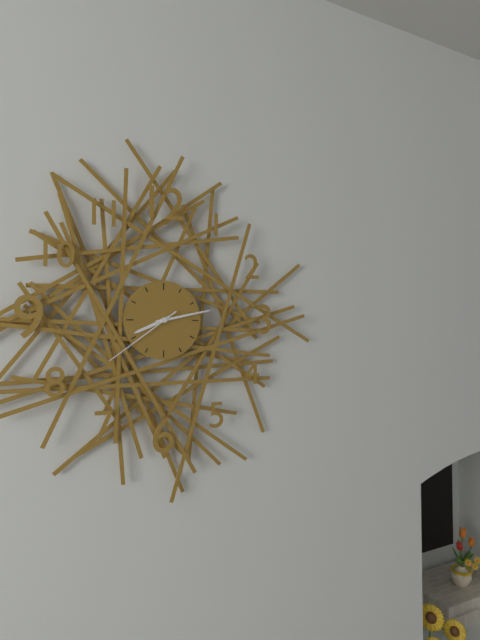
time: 8:13:39
